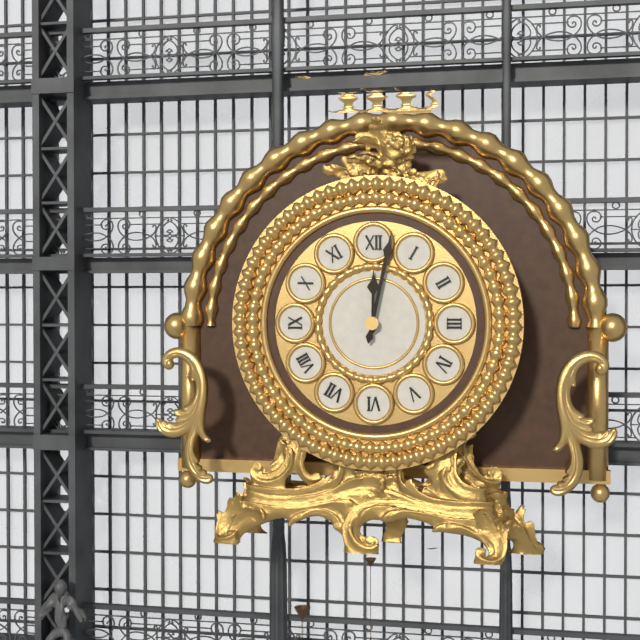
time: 12:02
